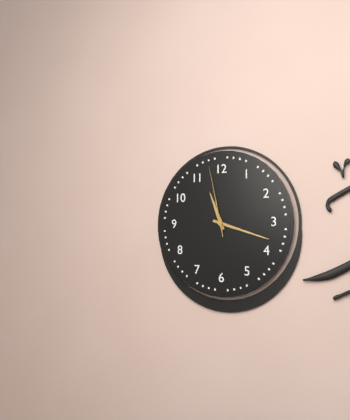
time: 11:18:58
